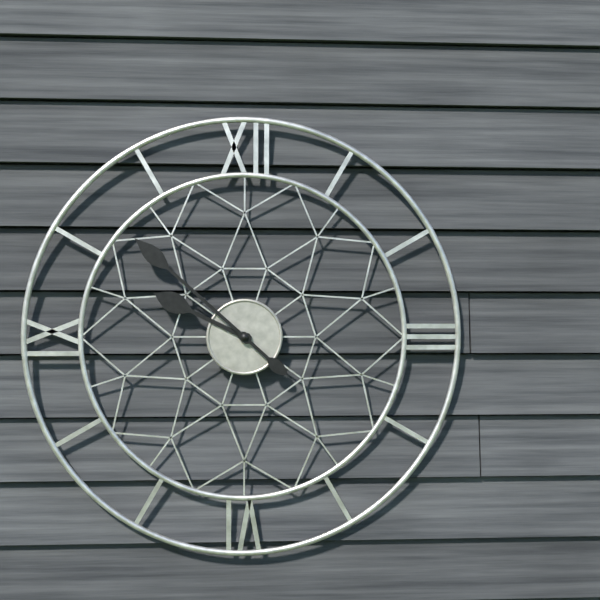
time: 9:52
